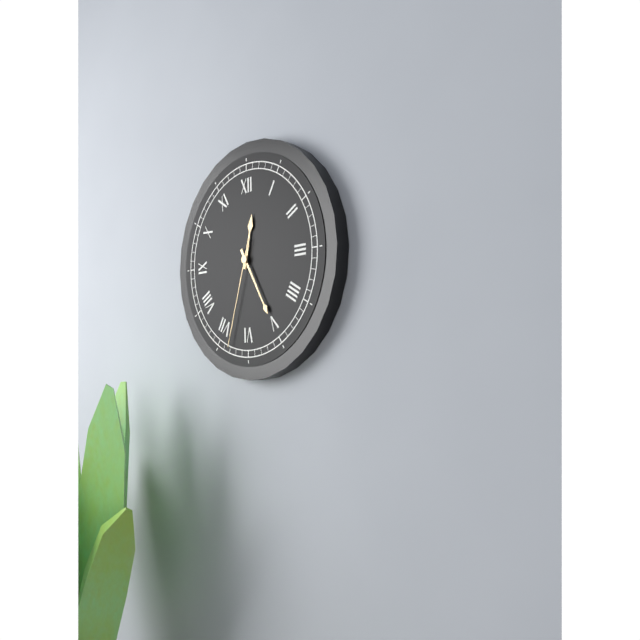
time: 12:25:33
